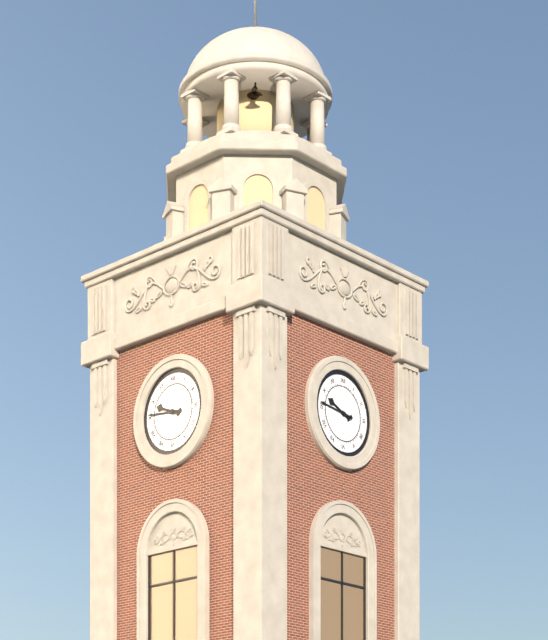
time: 9:46
